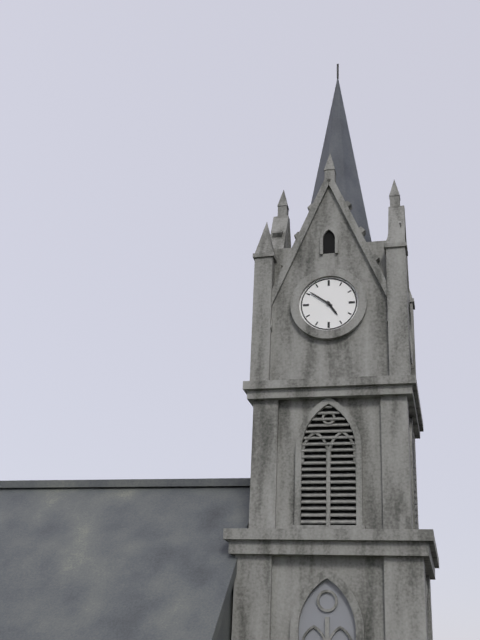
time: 4:51
